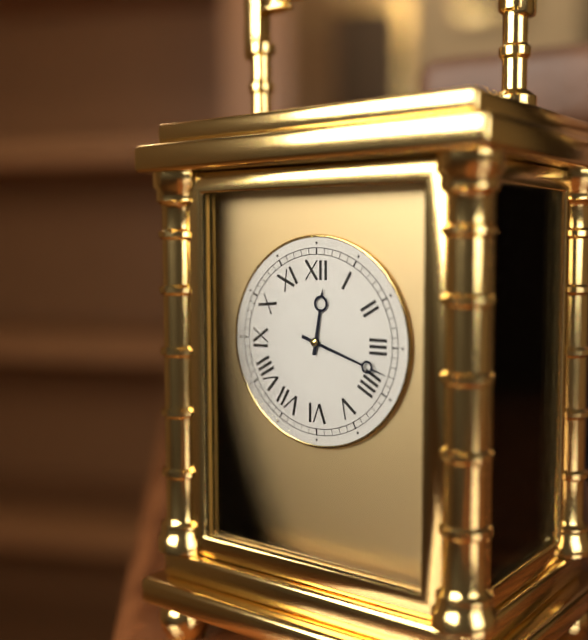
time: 12:18
